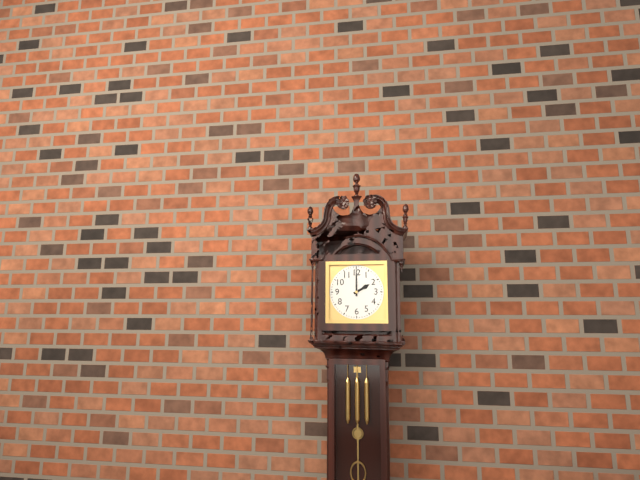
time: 2:00
